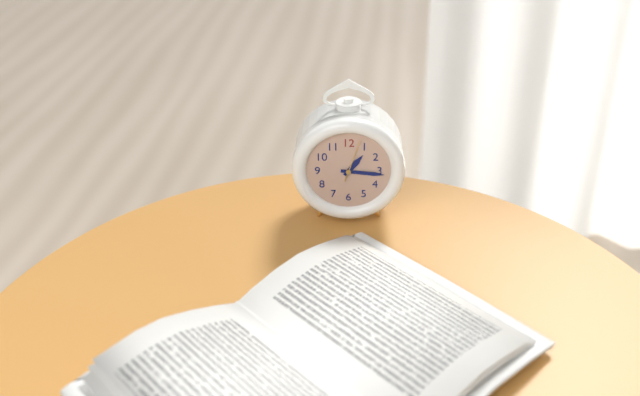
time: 1:16
